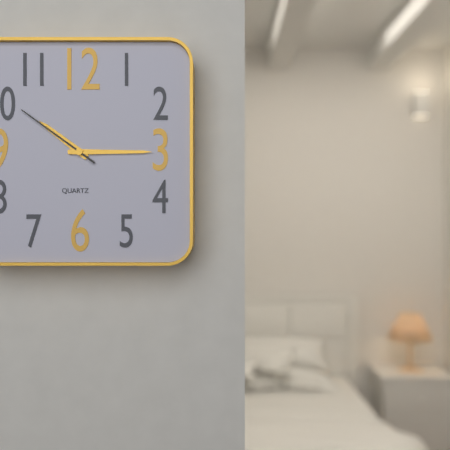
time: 10:15:51
